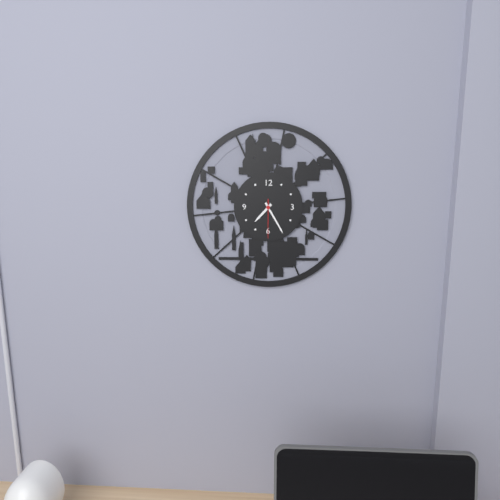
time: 7:25
